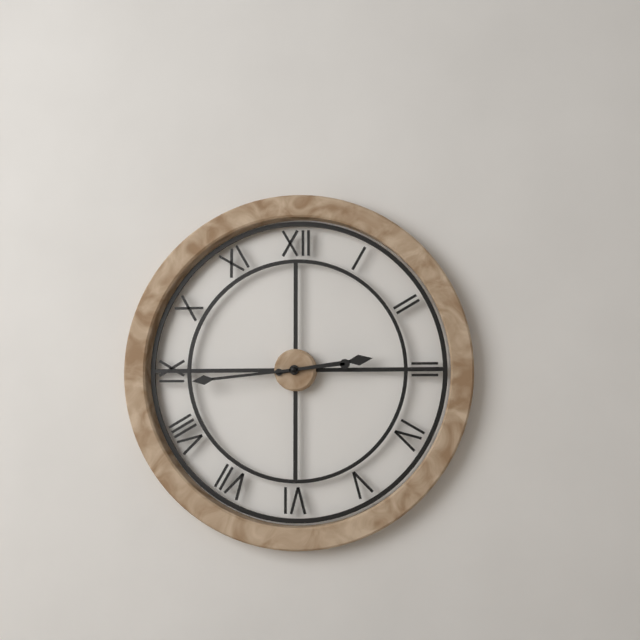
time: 2:44
